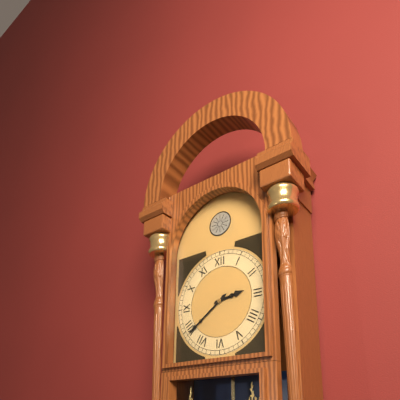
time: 2:39
